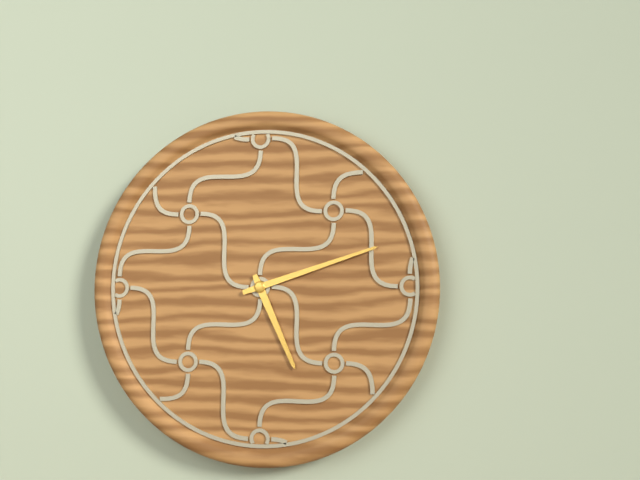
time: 5:12
